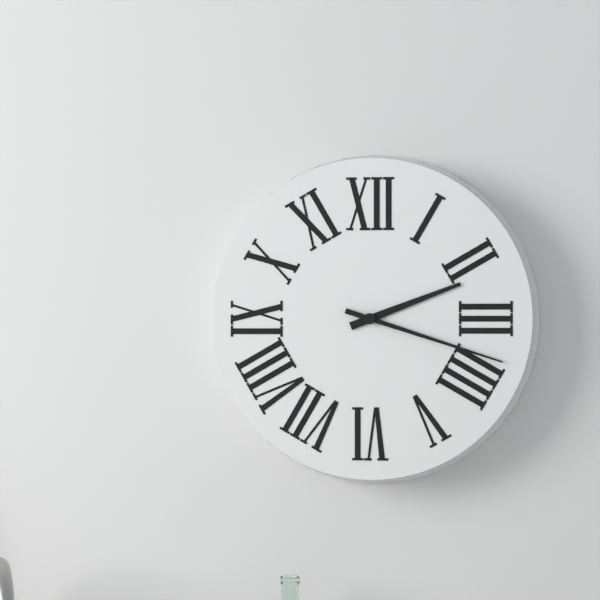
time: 2:18
